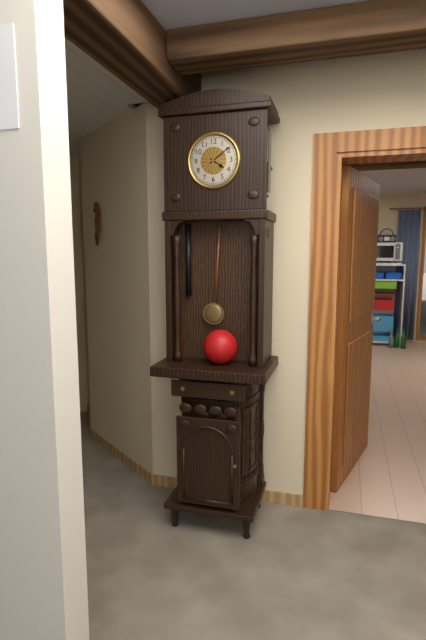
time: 4:09
